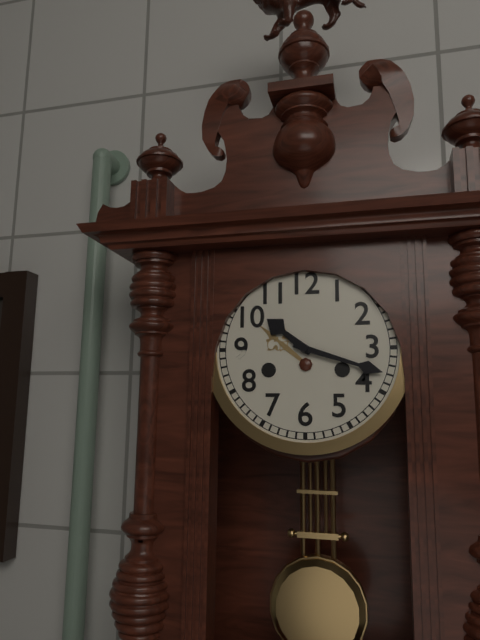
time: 10:18
